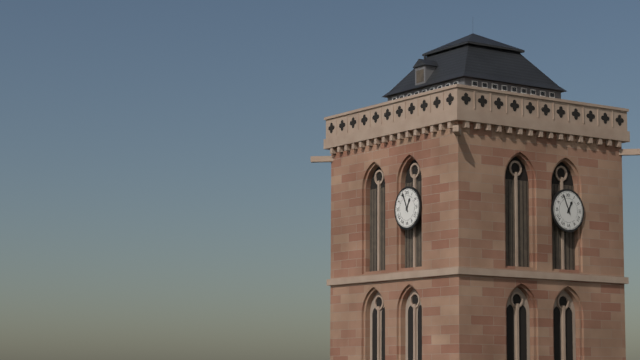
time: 12:56
